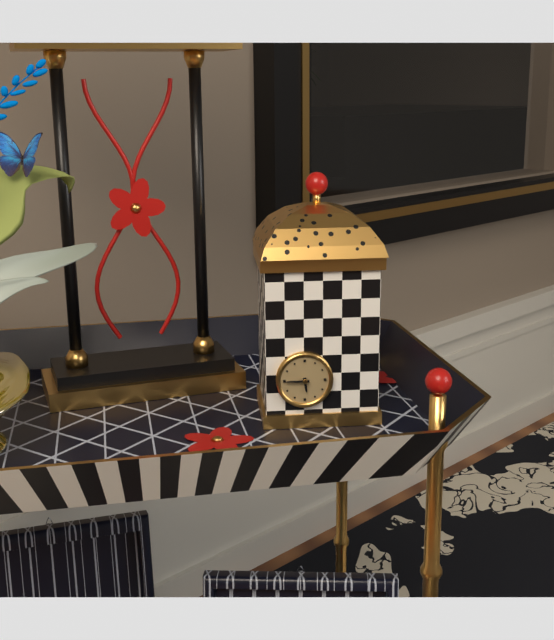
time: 5:45
